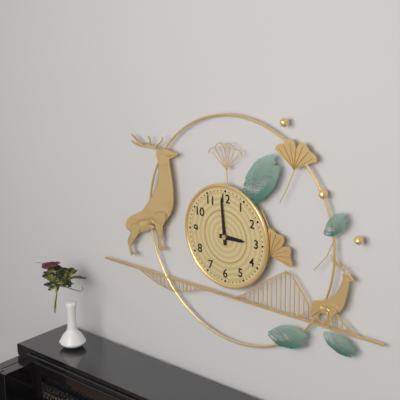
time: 2:59
